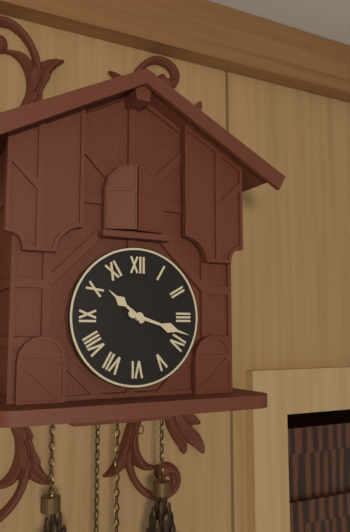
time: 10:18
